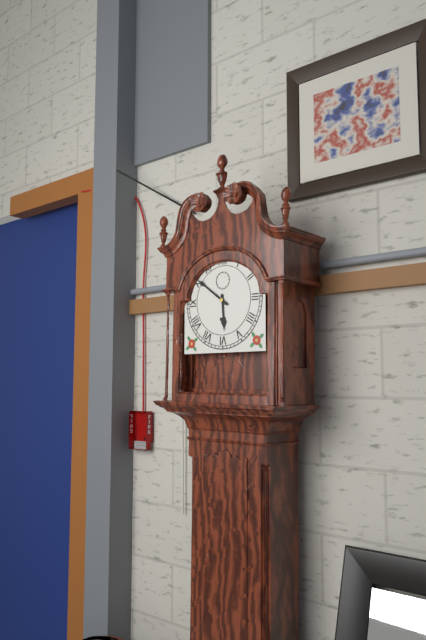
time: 5:51
